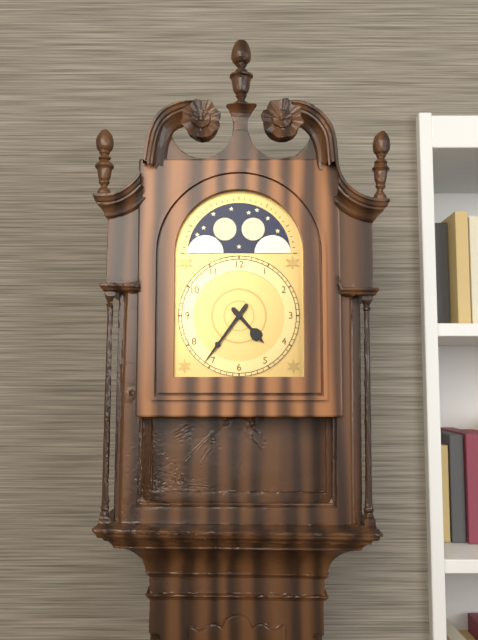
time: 4:36
